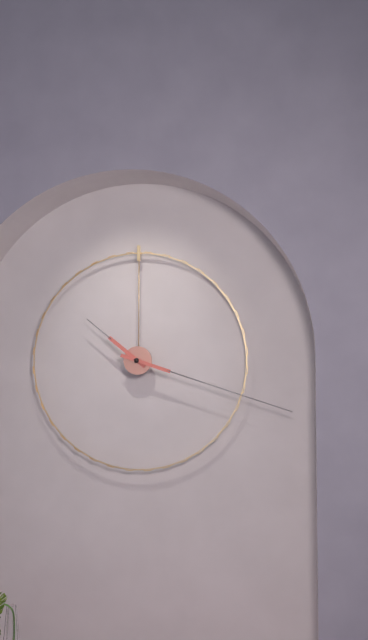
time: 10:18
